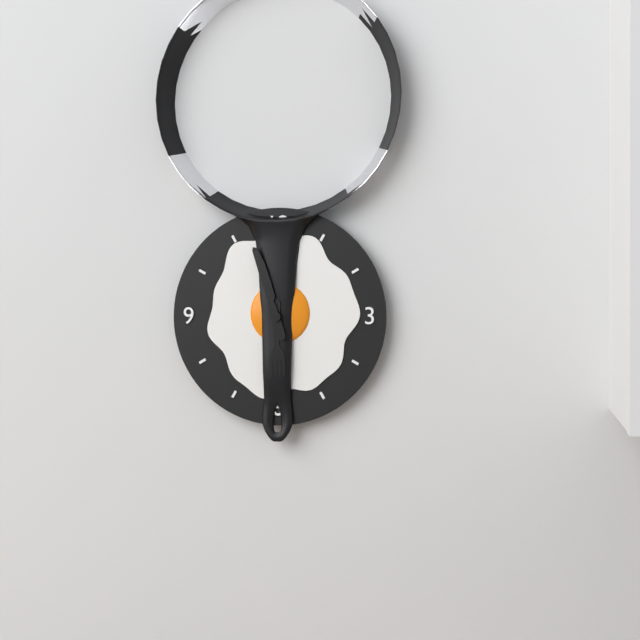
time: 5:57
